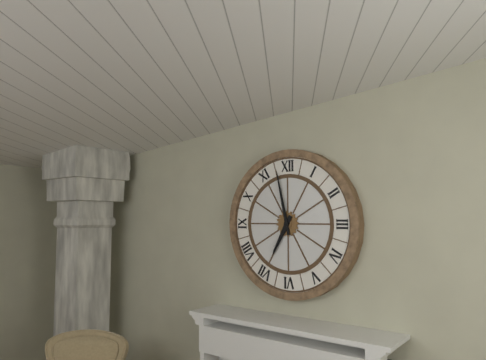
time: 6:58
